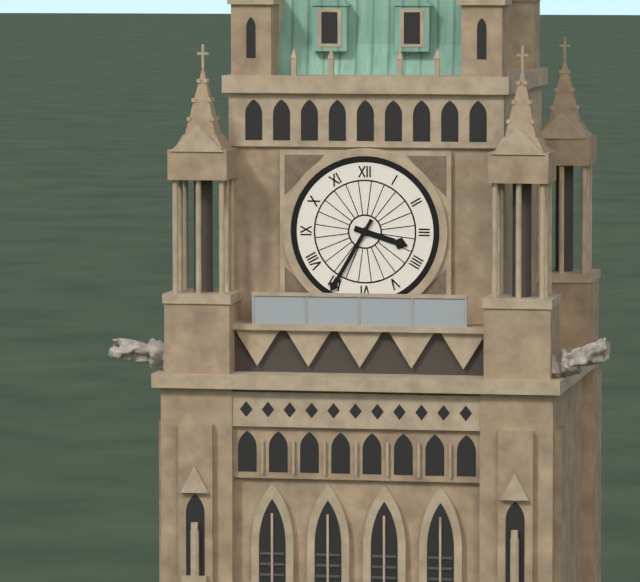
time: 3:35
